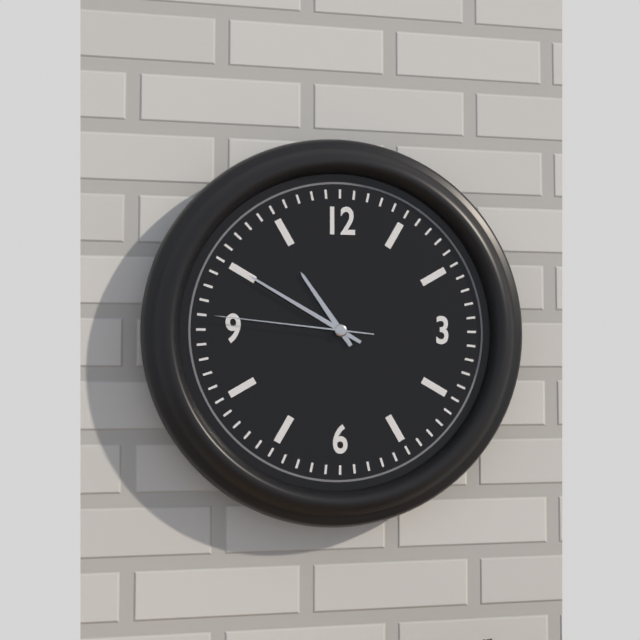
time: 10:50:46
